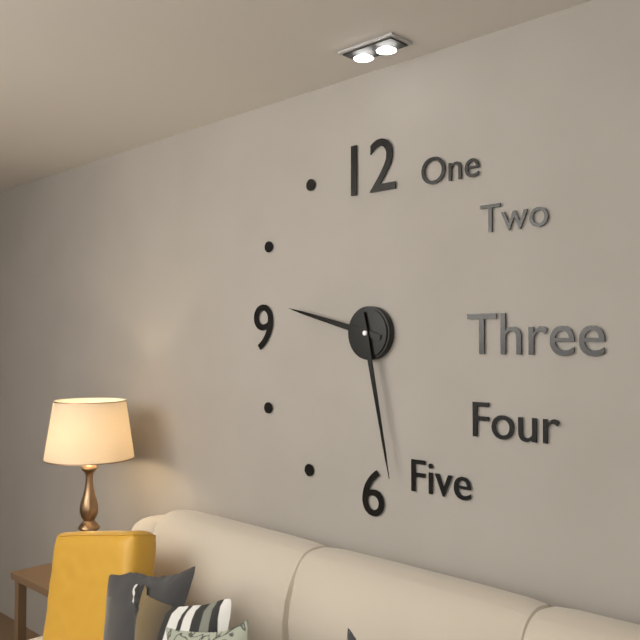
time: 9:28
